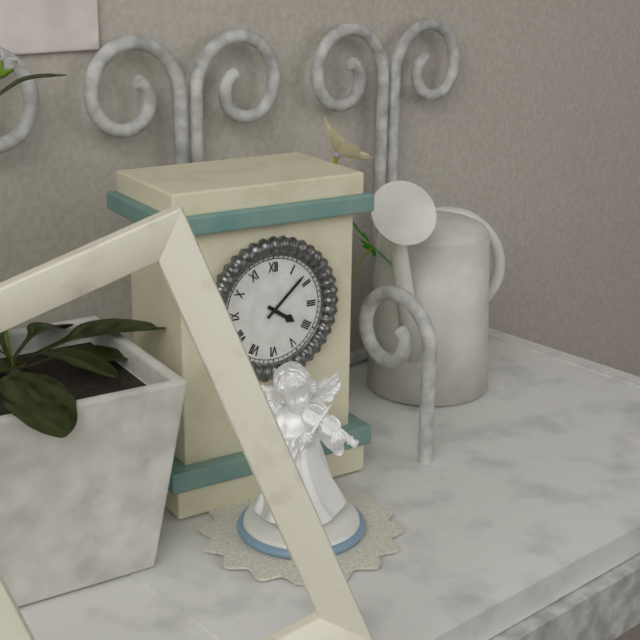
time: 4:08
